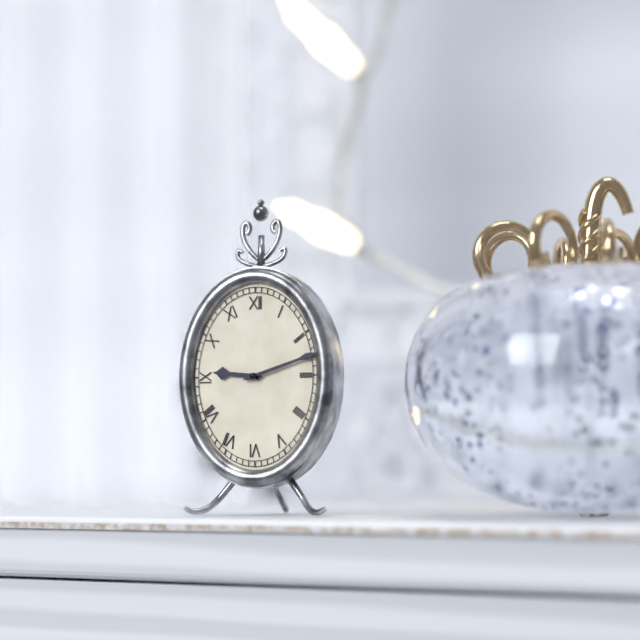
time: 9:12
